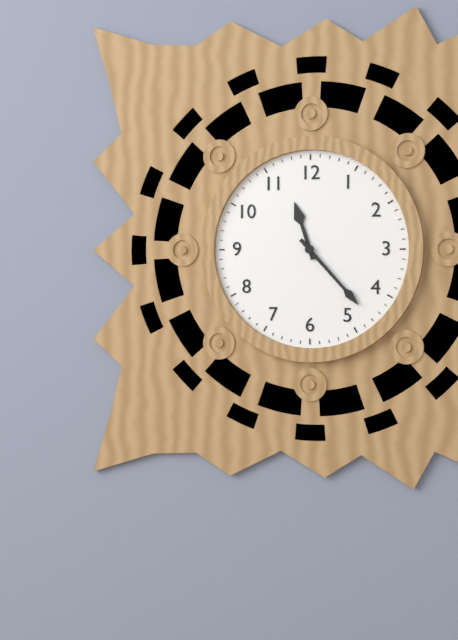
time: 11:23
